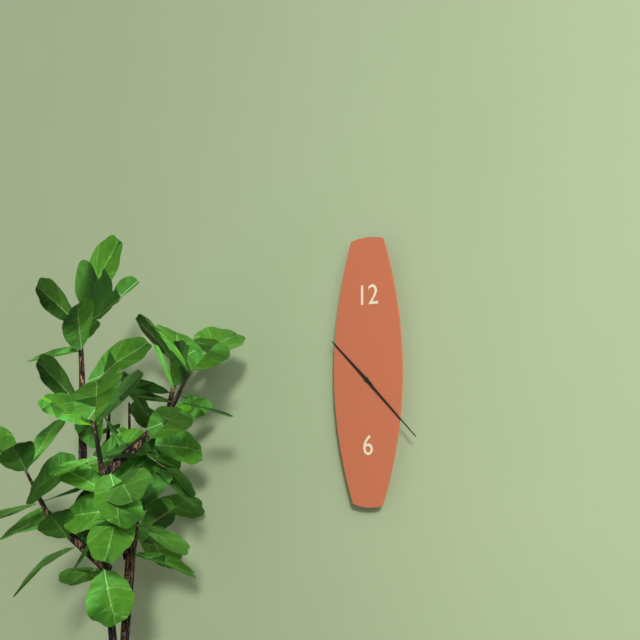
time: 10:22
